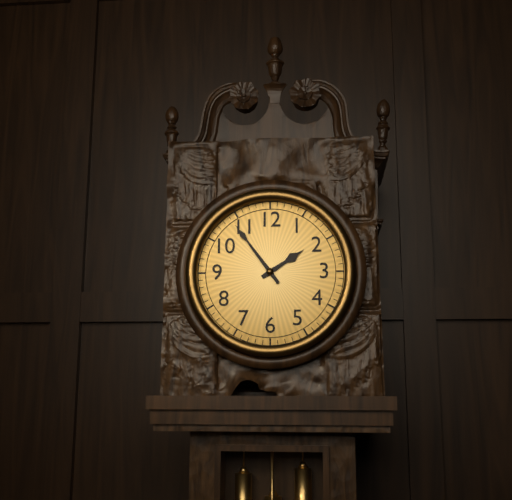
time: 1:54
